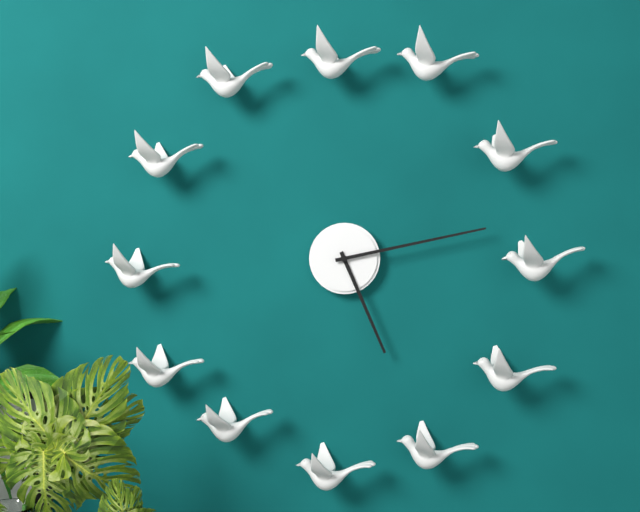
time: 5:13
